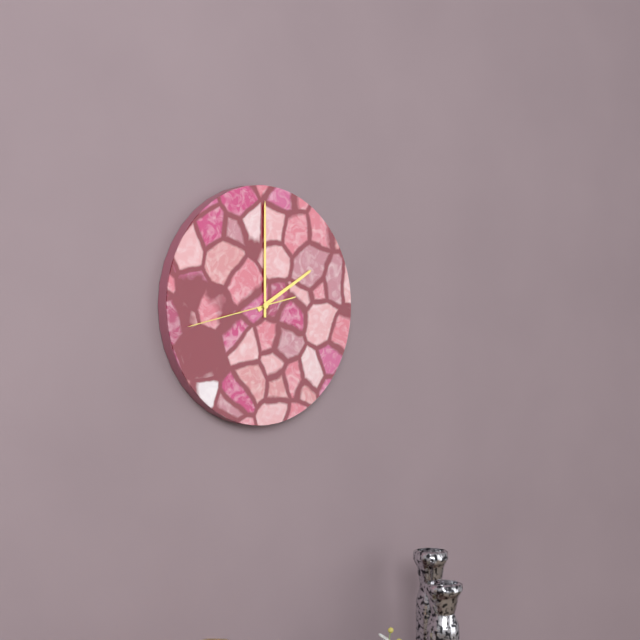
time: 2:00:43
